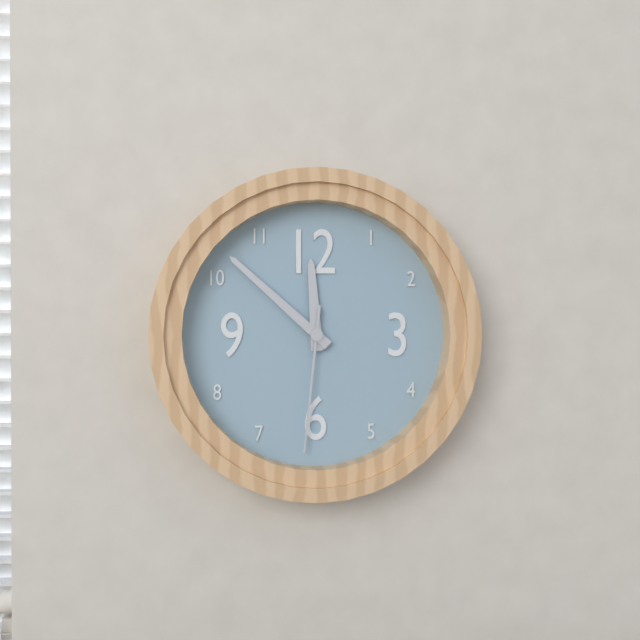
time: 11:52:31
